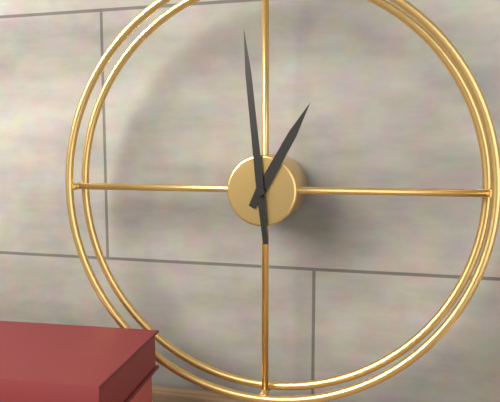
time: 12:59
